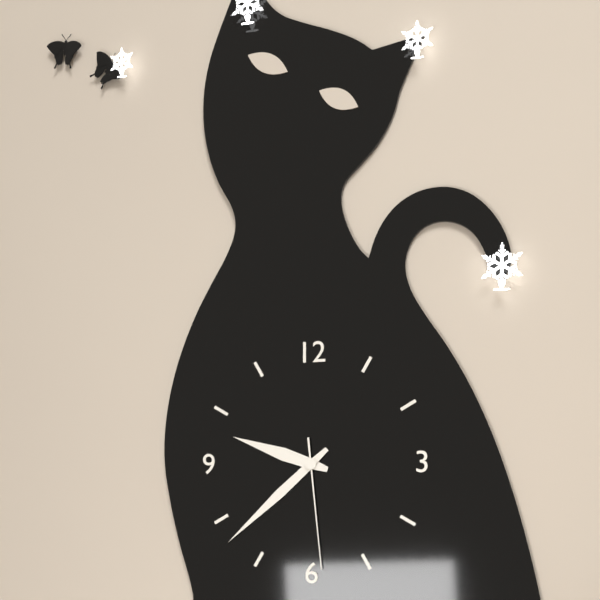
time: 9:38:29
